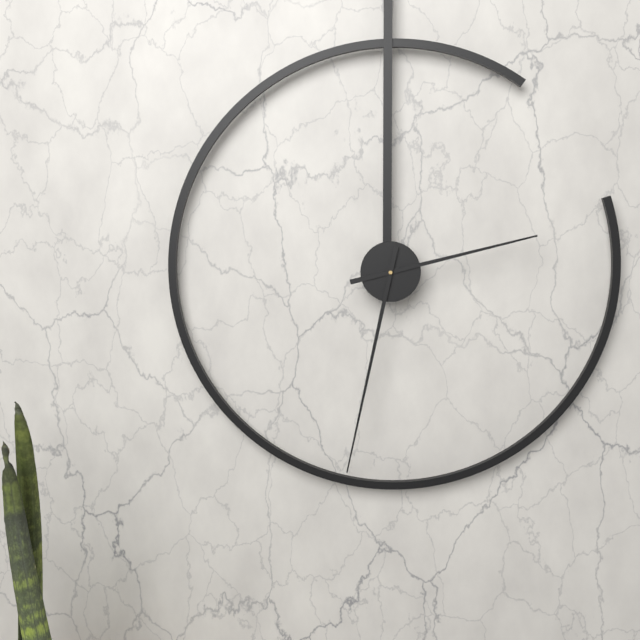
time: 2:32
